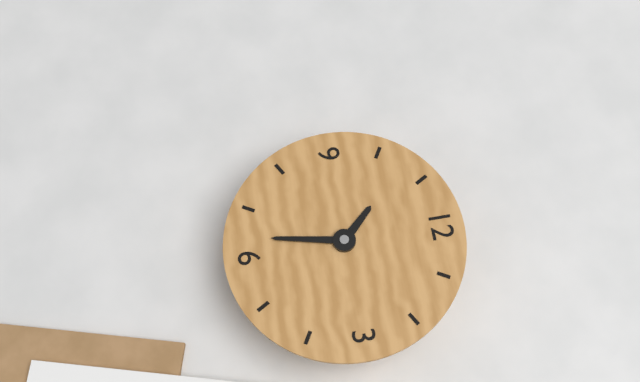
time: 10:32
